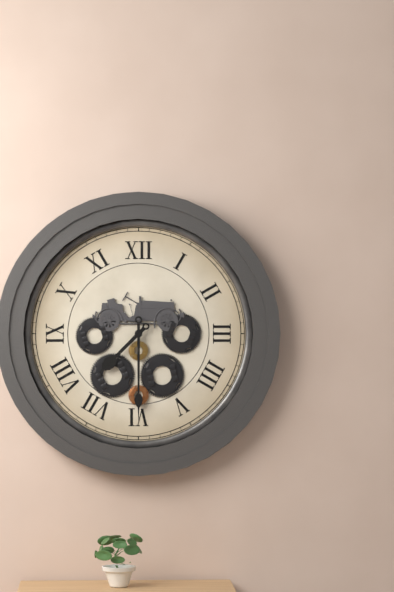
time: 7:30
